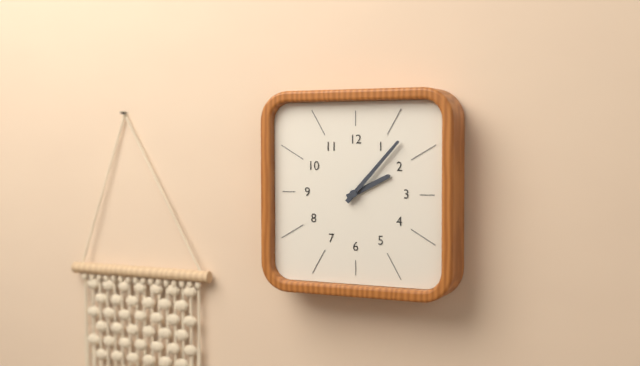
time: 2:07
